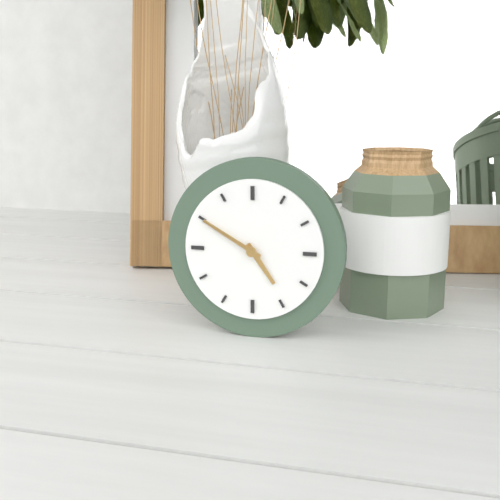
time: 4:50
